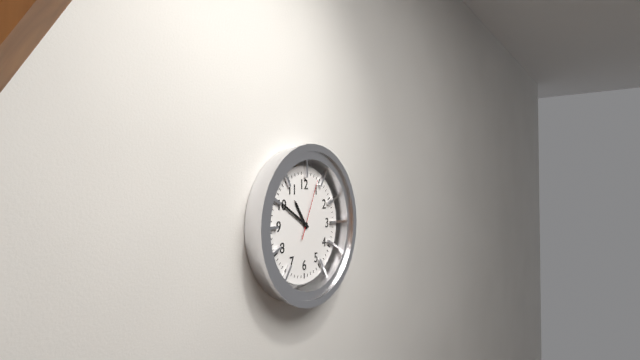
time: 10:50:04
